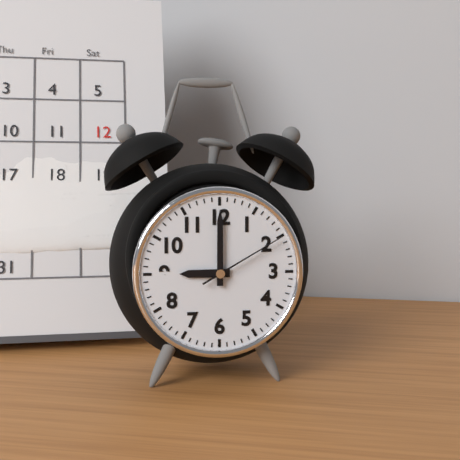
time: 9:00:10
